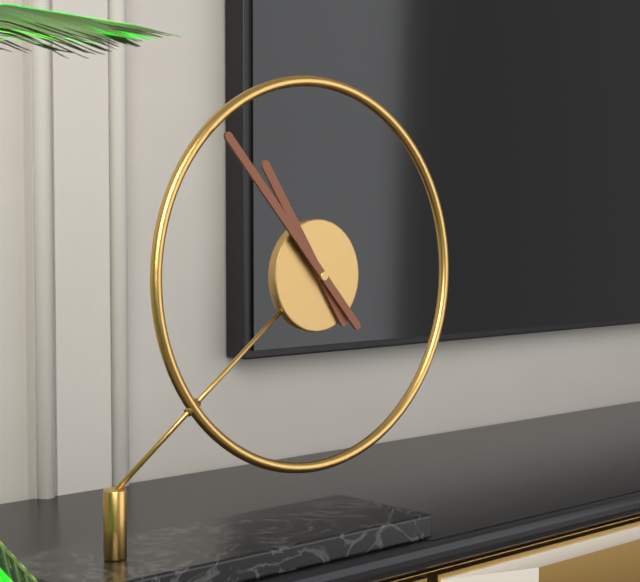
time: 10:53
